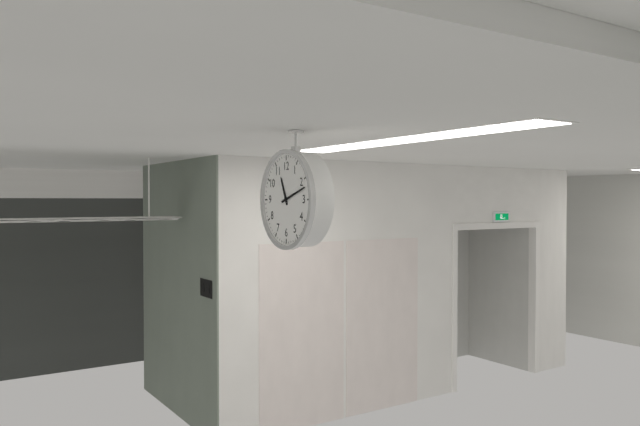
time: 11:12
